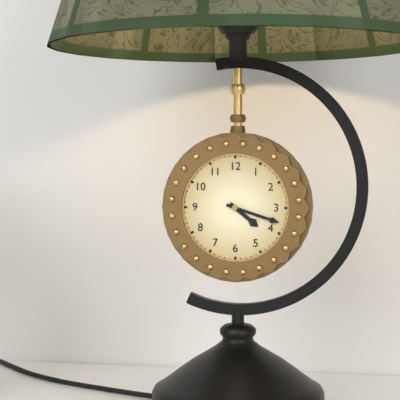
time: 4:18
